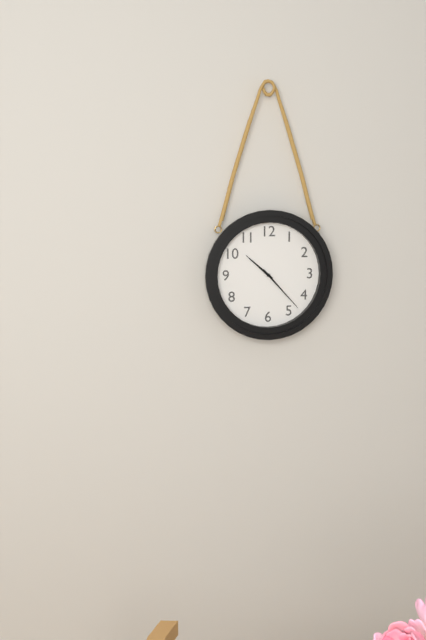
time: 10:23
